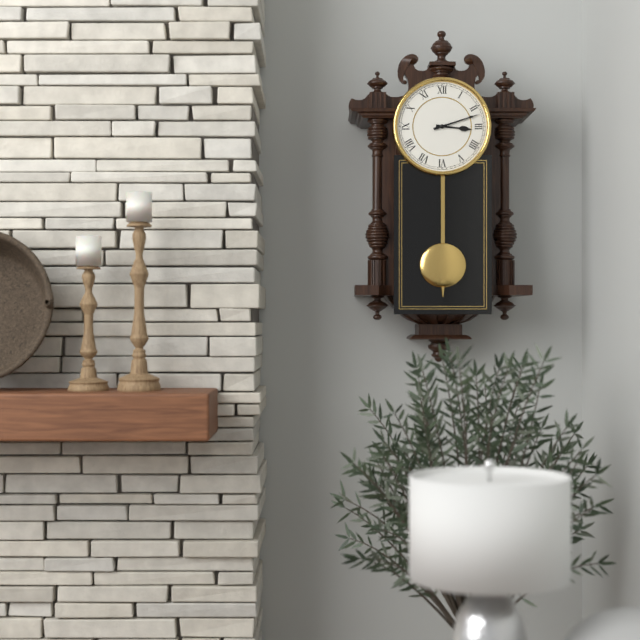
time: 3:12
